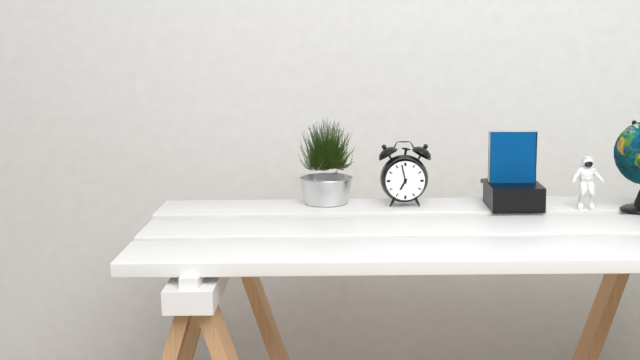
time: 6:58
